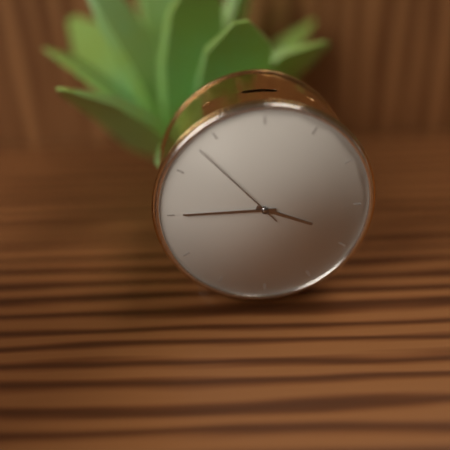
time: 3:45:53
